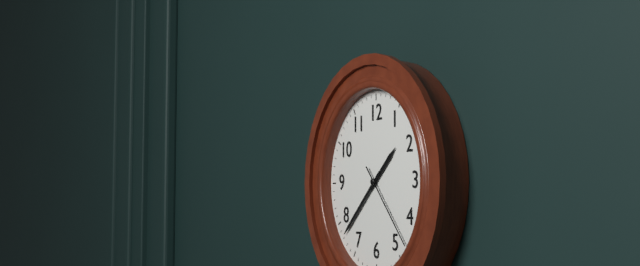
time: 1:38:23
